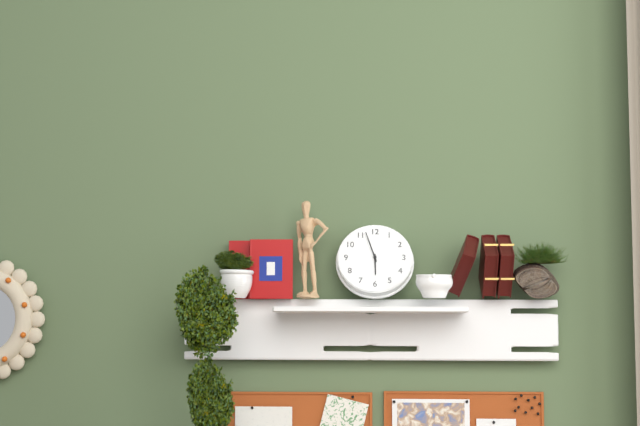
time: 5:57
